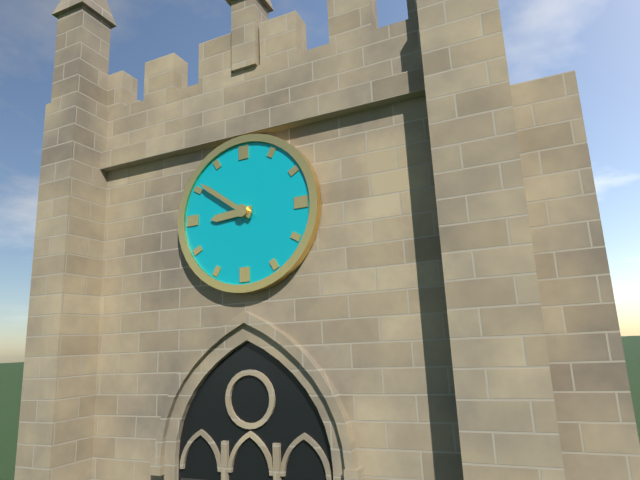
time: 8:51
